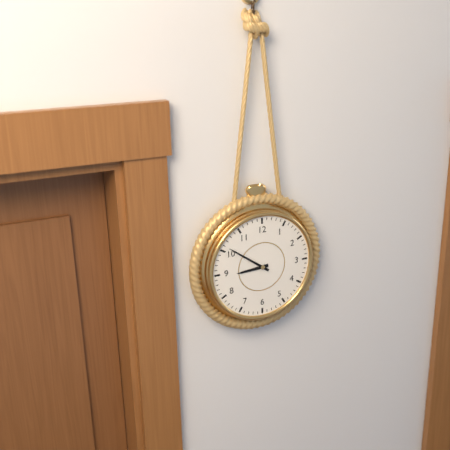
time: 8:51
